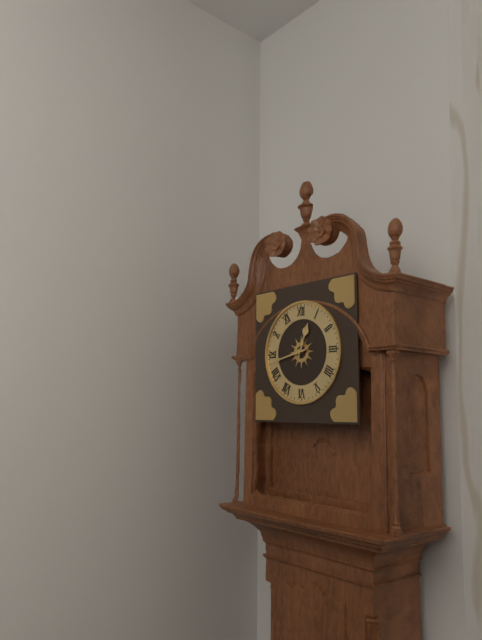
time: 12:43
